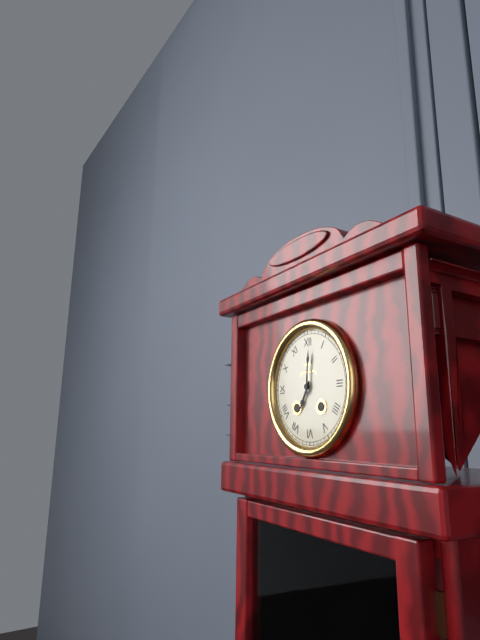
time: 7:01
